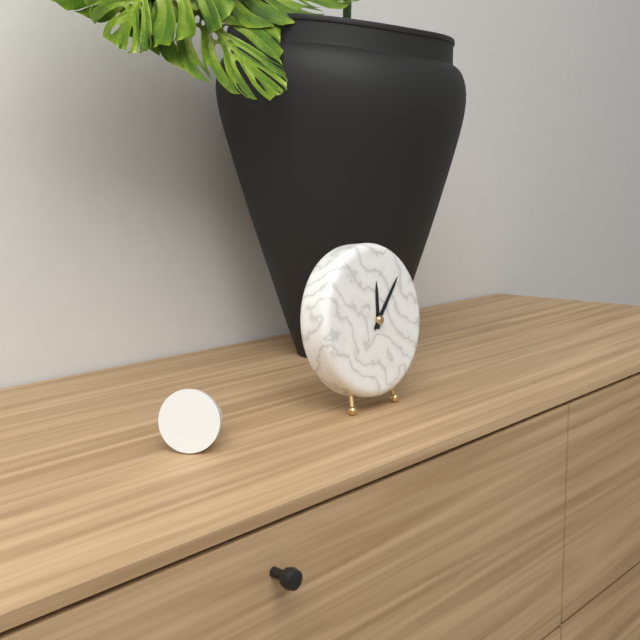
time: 12:07
